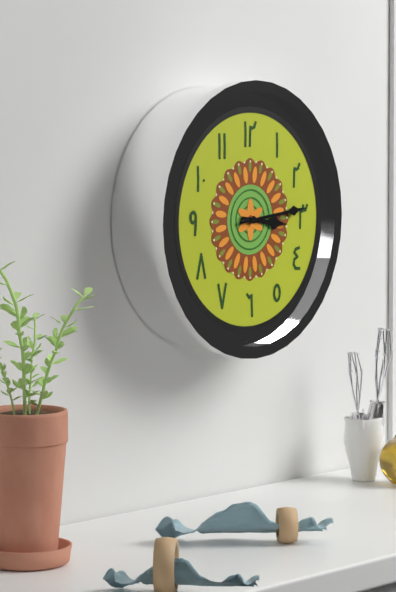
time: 3:14
